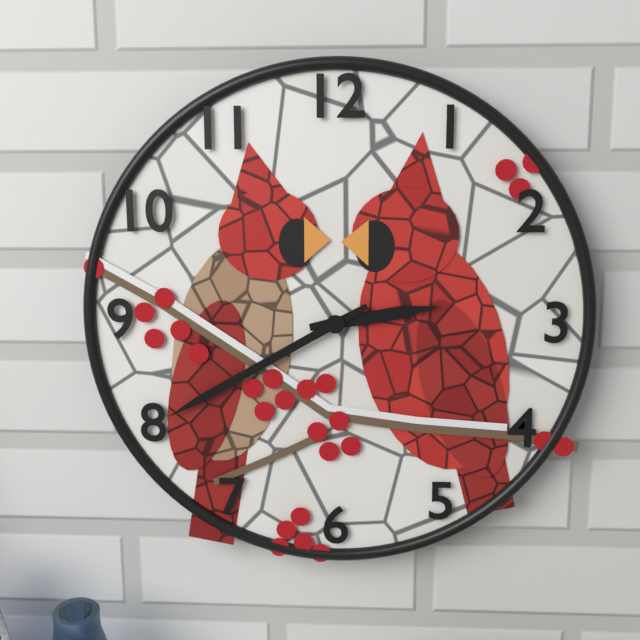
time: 2:40
